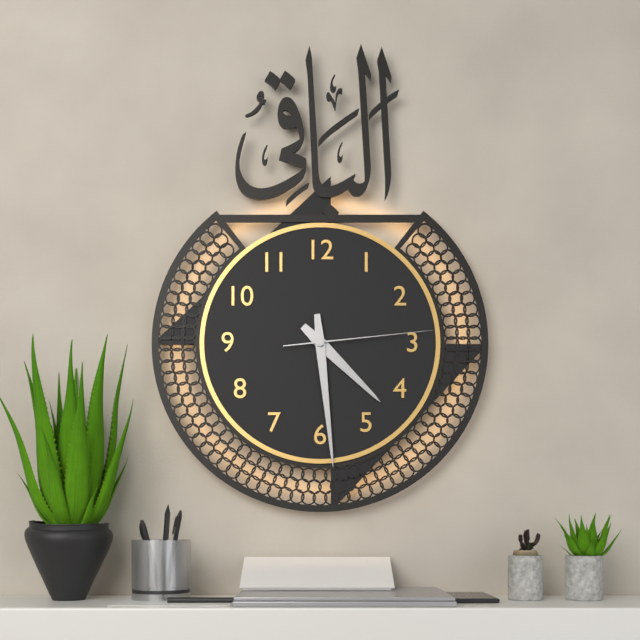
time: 4:29:14
